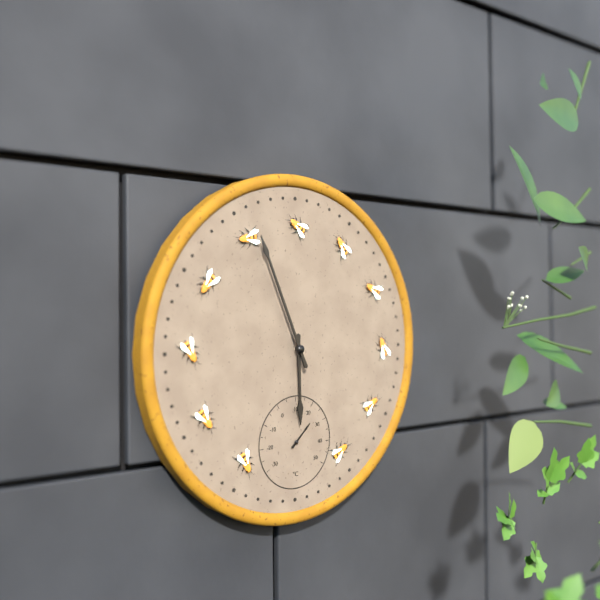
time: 5:56
